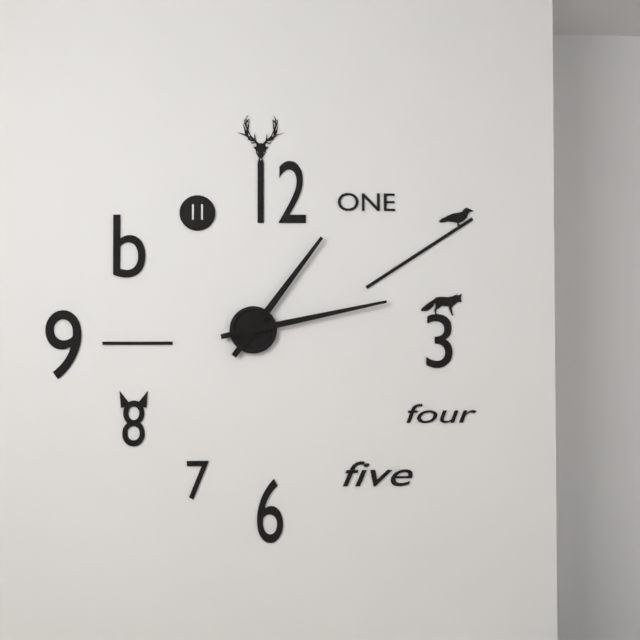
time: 1:13
